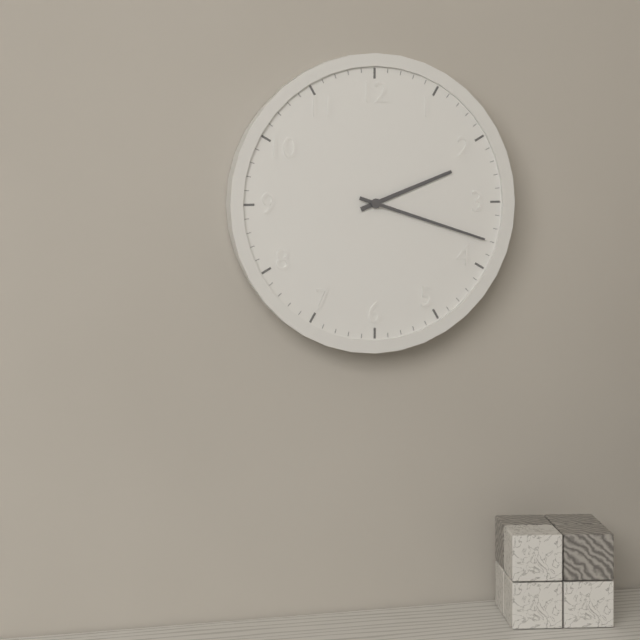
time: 2:18
